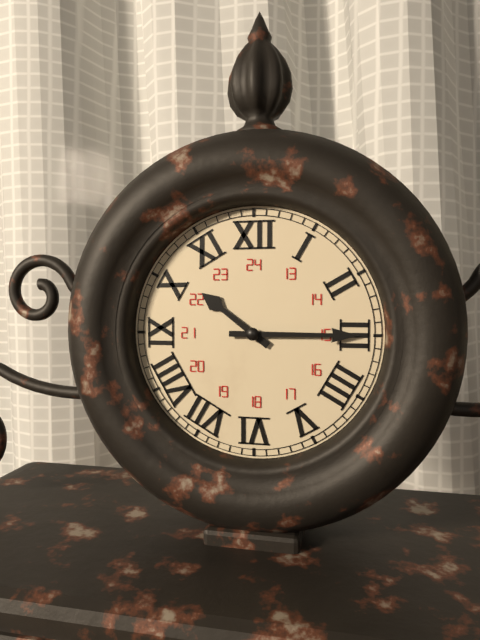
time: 10:15
